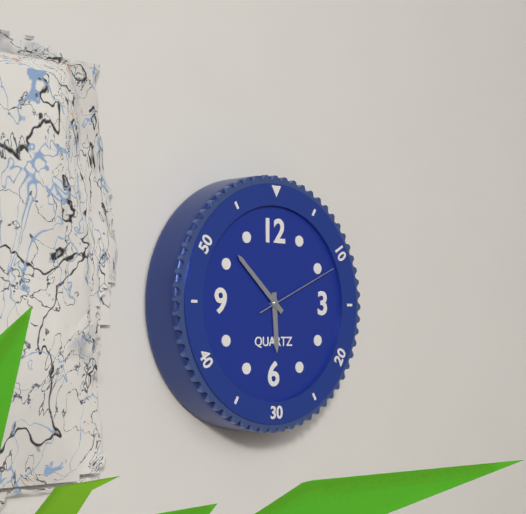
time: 5:52:11
